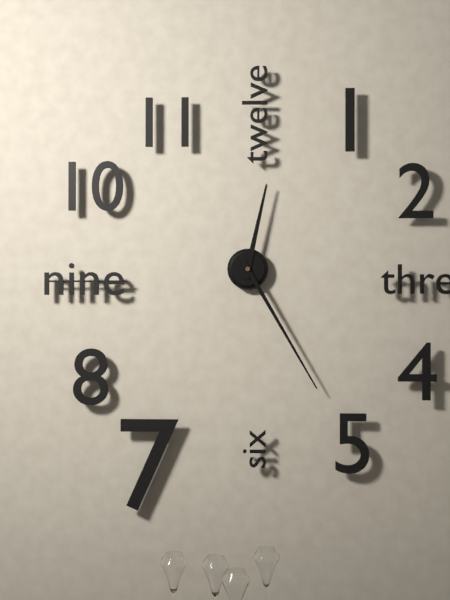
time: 12:25
